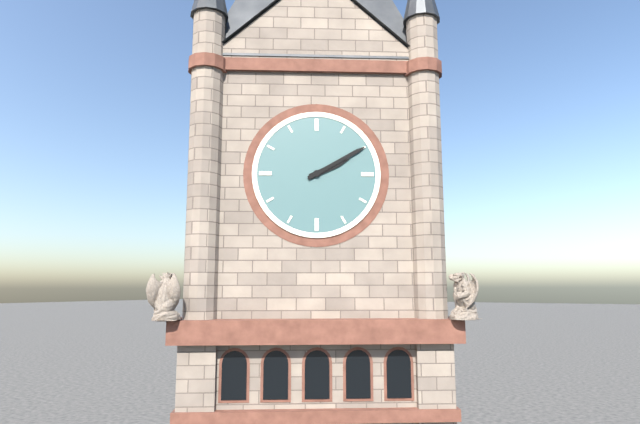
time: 2:10
